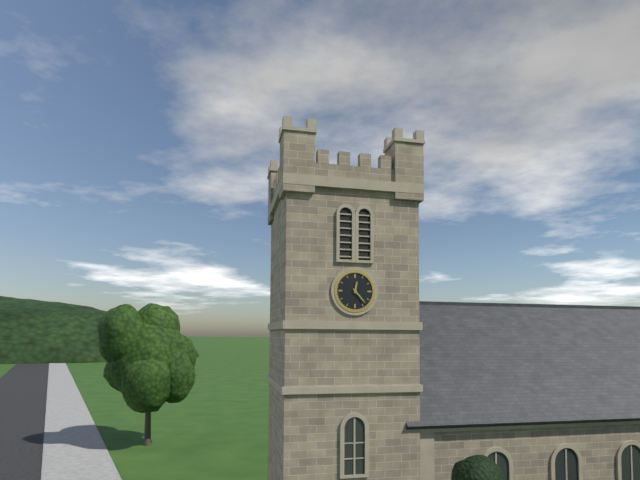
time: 12:23
